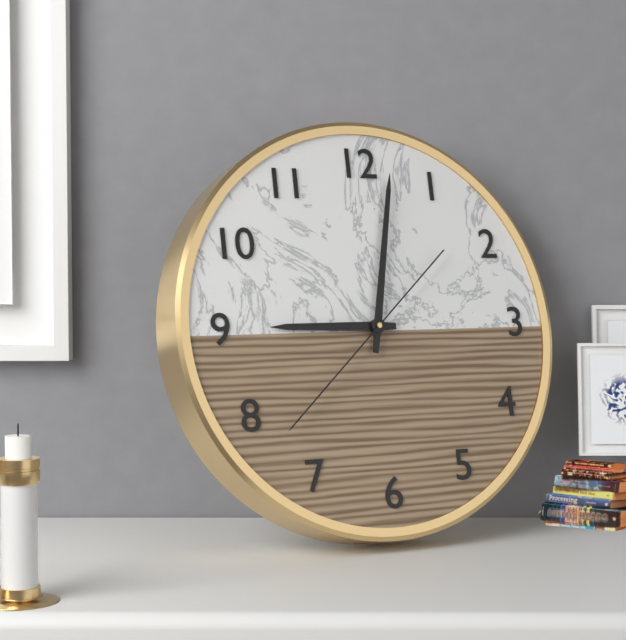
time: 9:02:38
